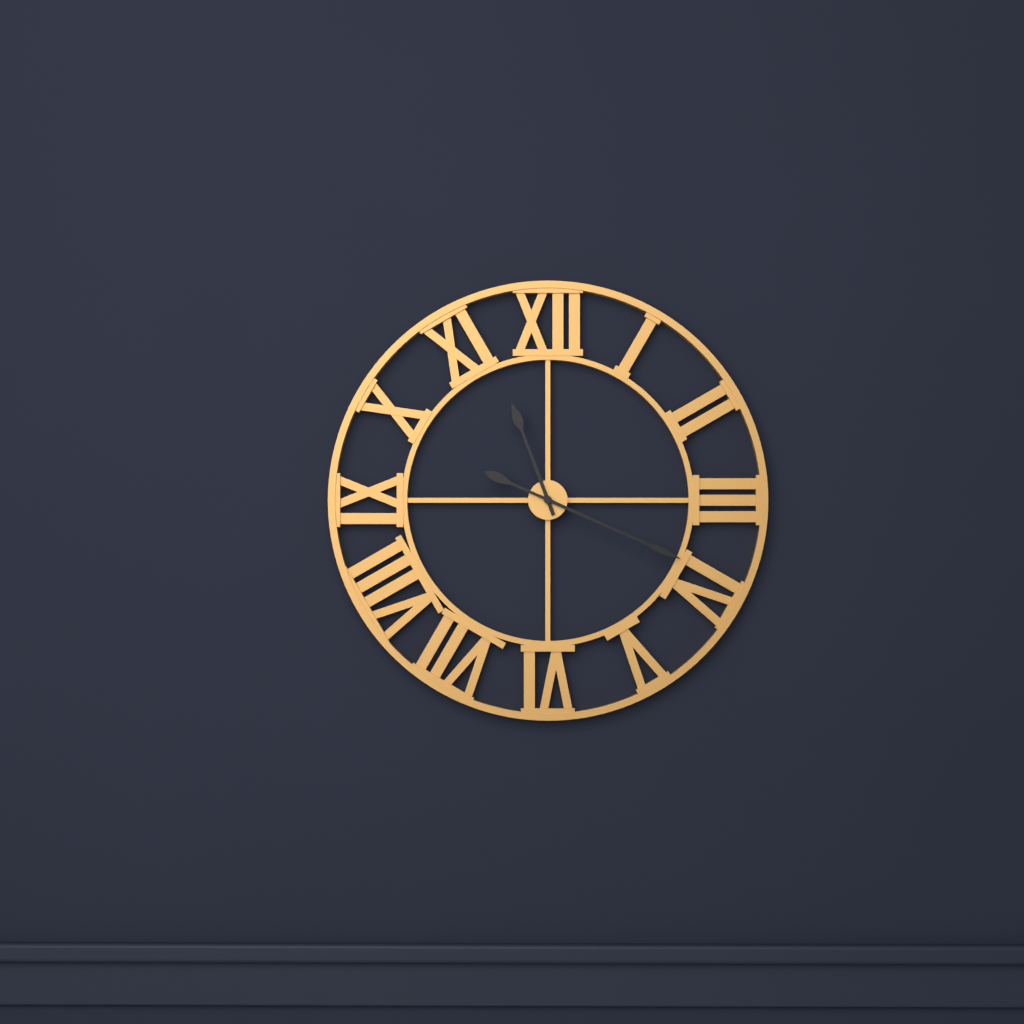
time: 11:19
